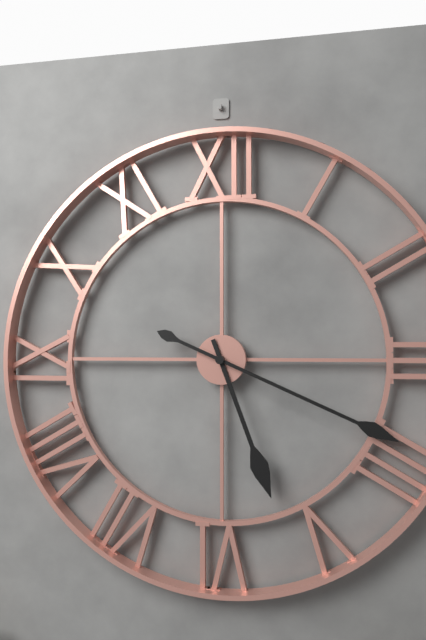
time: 5:19
